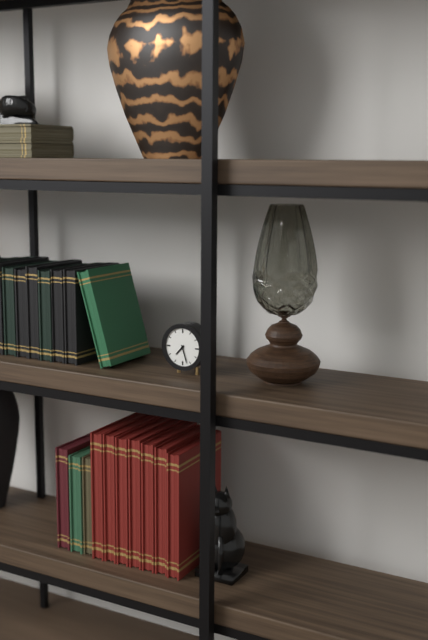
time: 7:27
